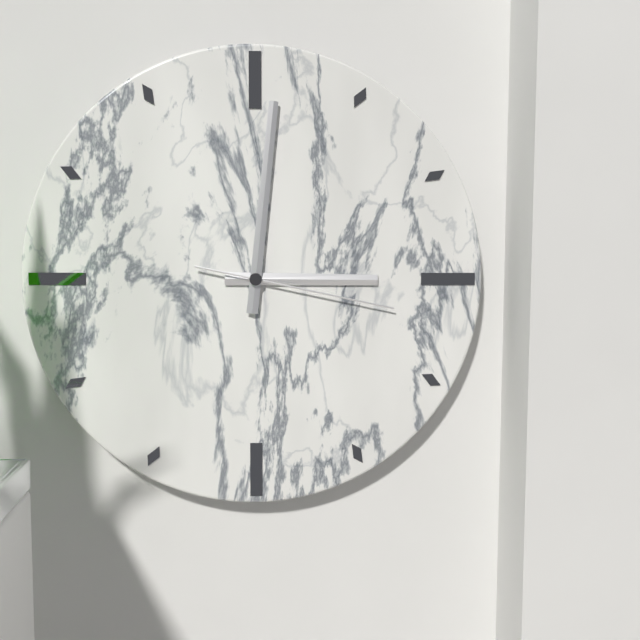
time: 3:01:17
